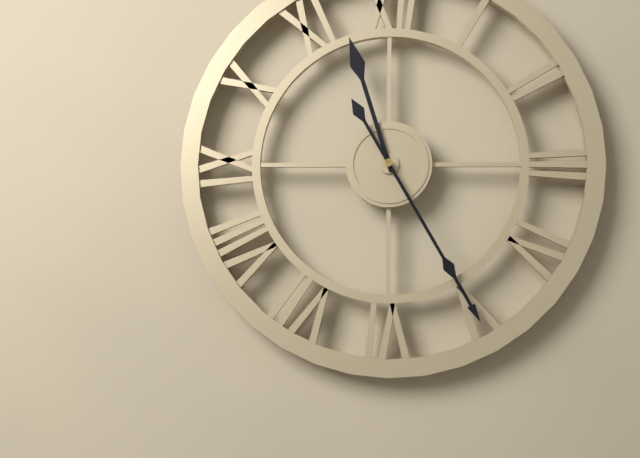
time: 11:25
